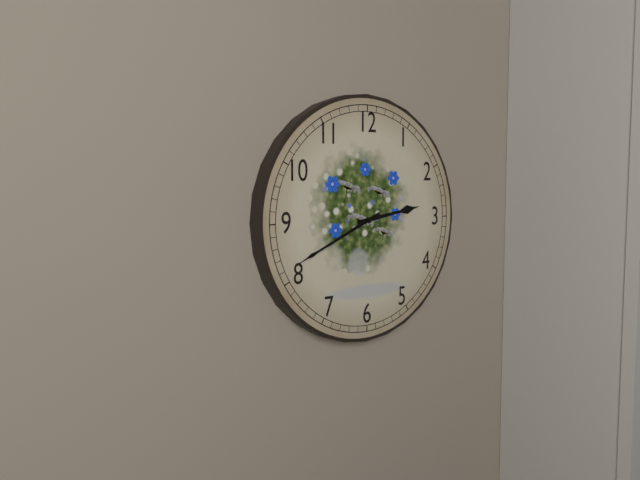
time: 2:41
